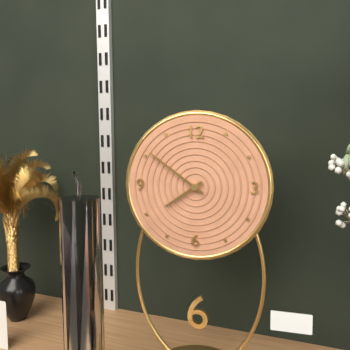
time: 7:51
